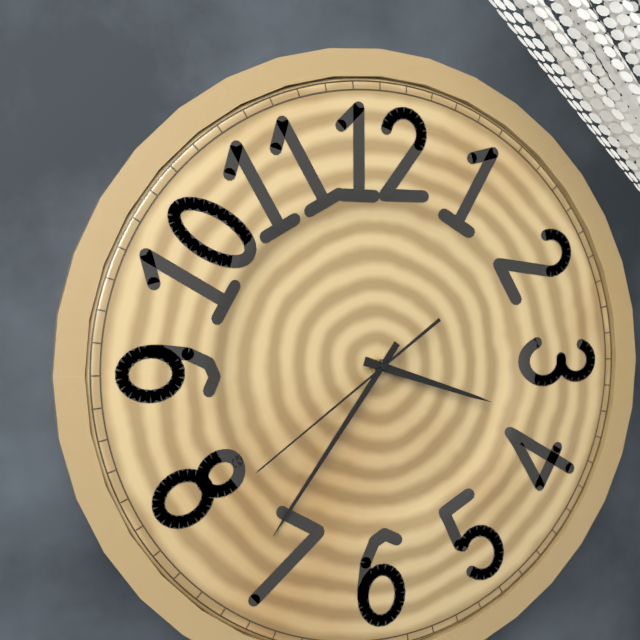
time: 3:36:39
